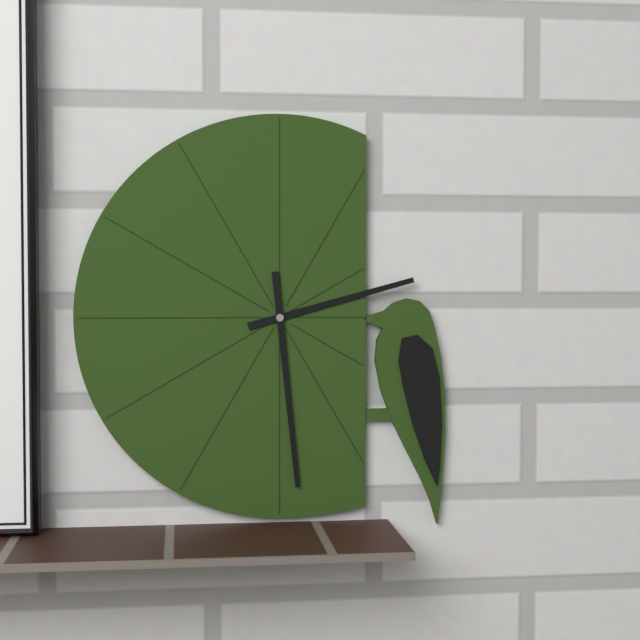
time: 2:29
